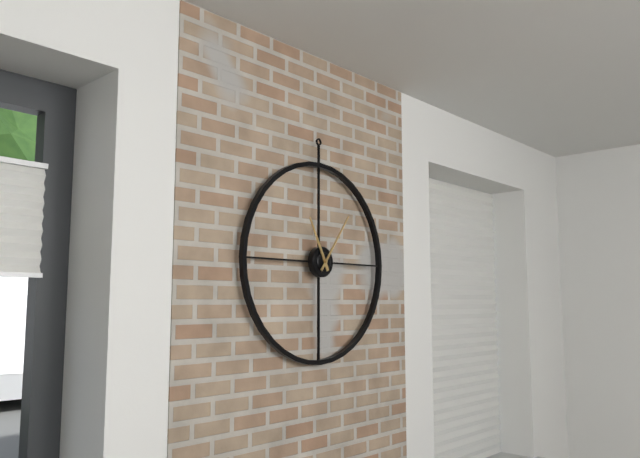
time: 11:06
